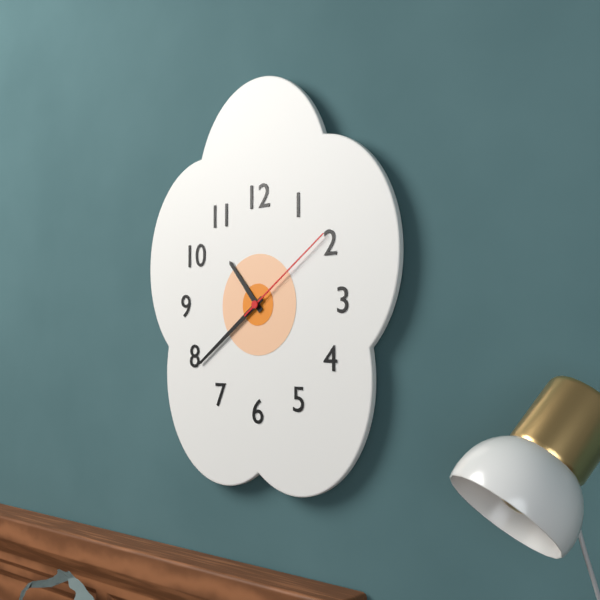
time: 10:39:09
